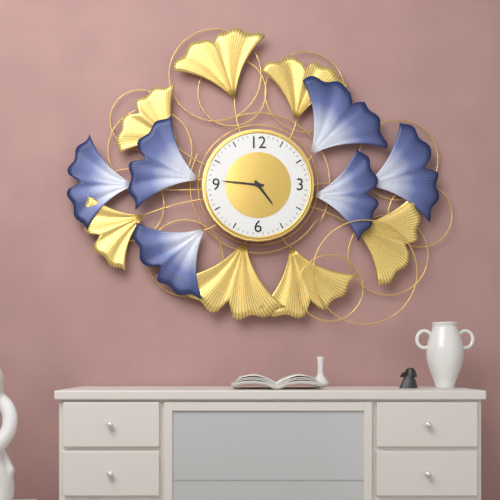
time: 4:46
